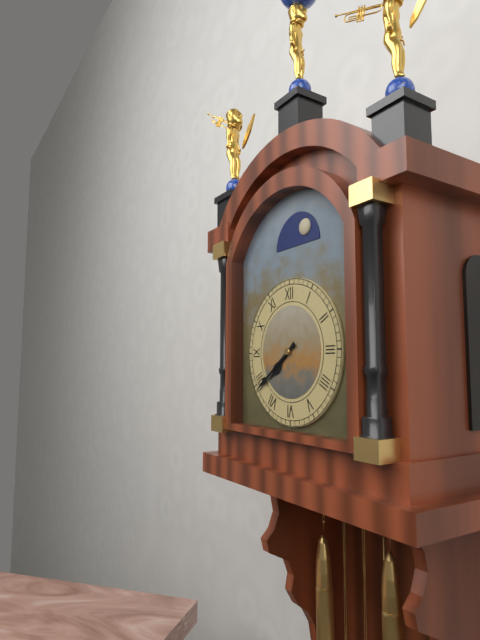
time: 7:39
